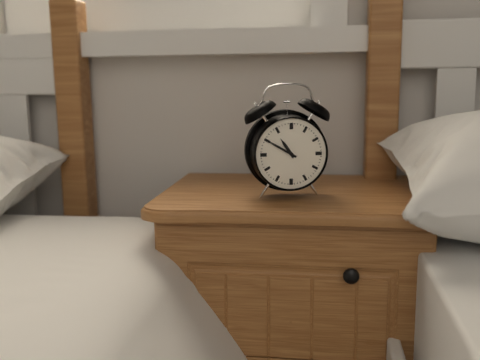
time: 10:50
